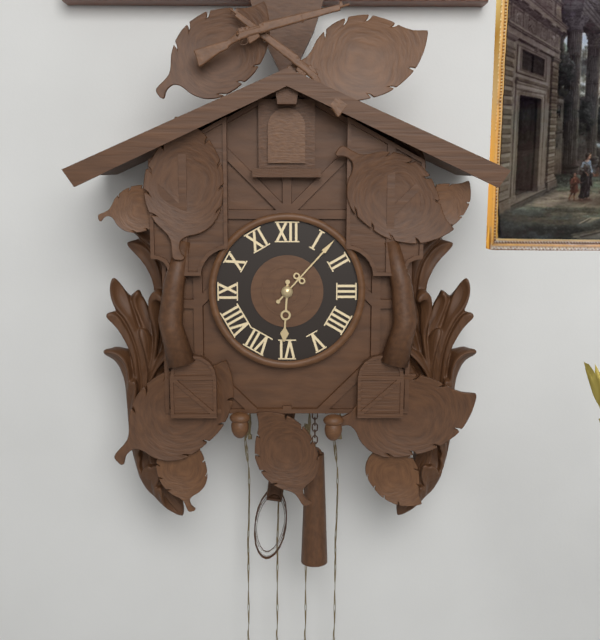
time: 6:07
